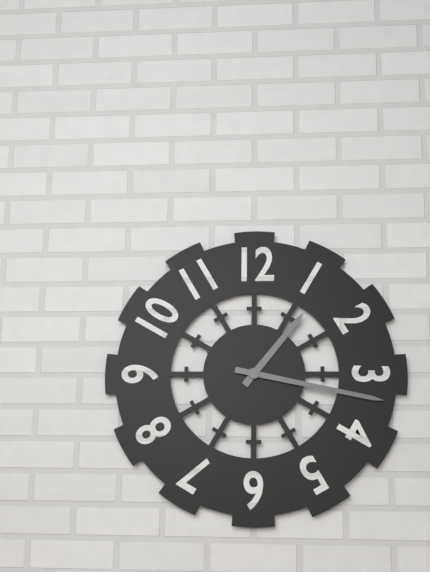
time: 1:17
